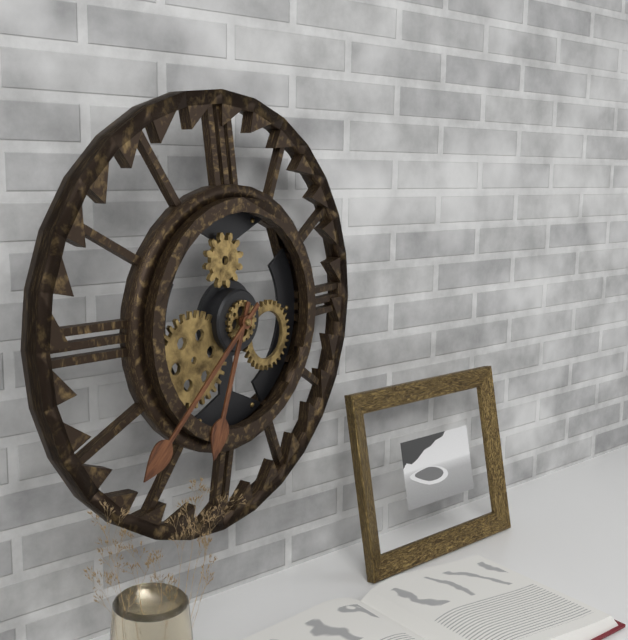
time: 6:38
